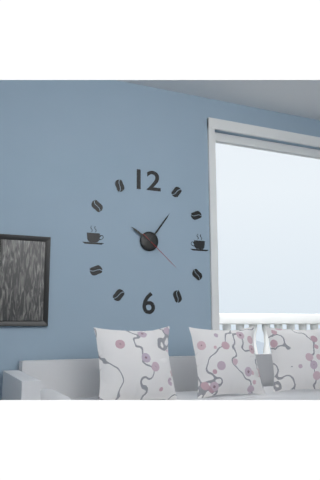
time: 10:06:22
